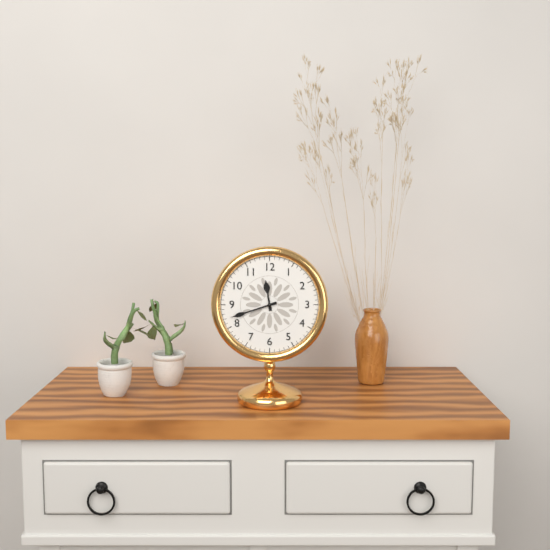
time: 11:42
